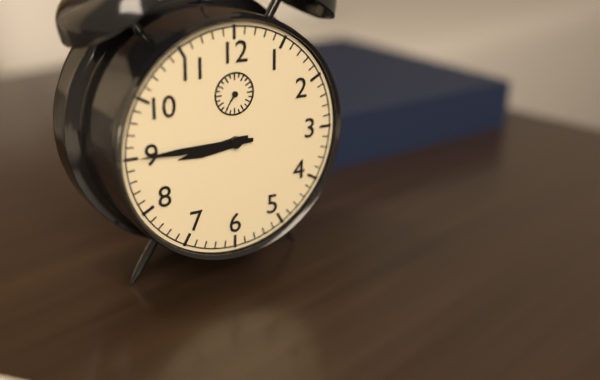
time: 8:45
